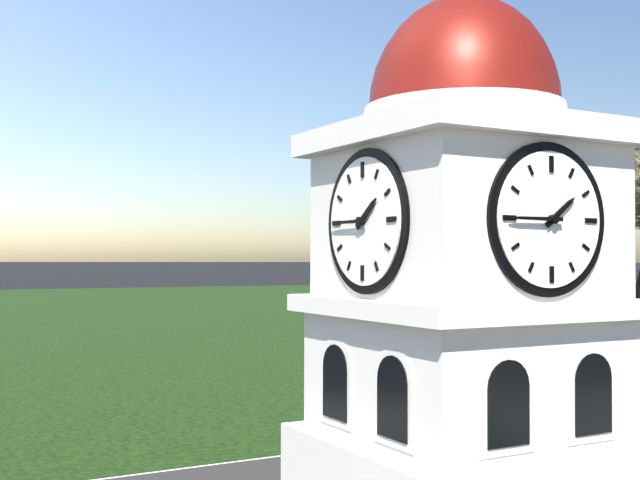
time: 1:45
